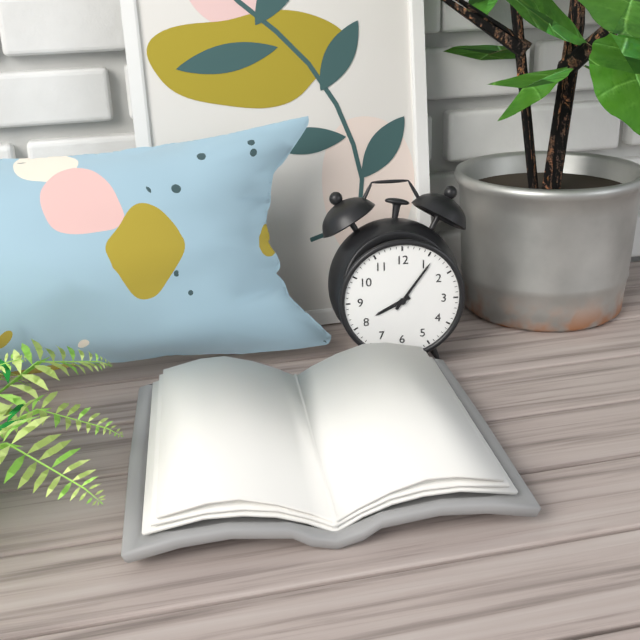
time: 8:06
